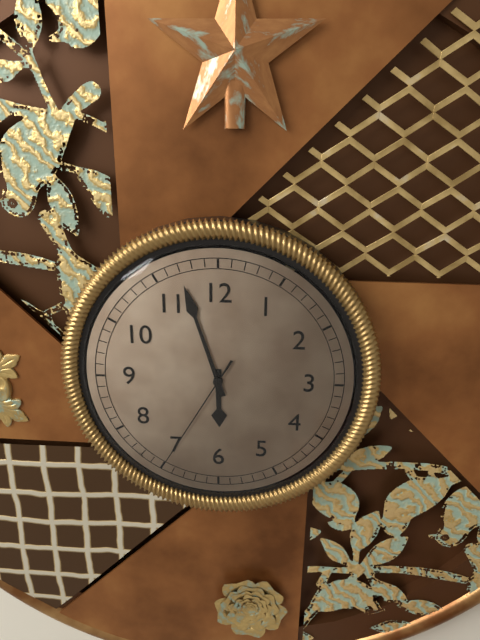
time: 5:57:35
